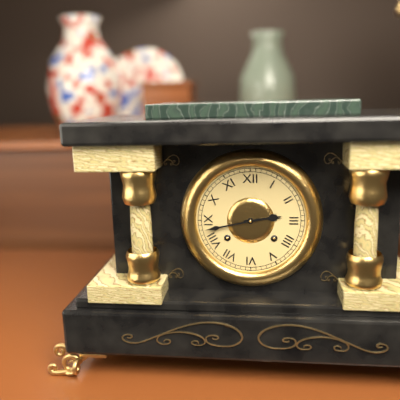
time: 2:43
